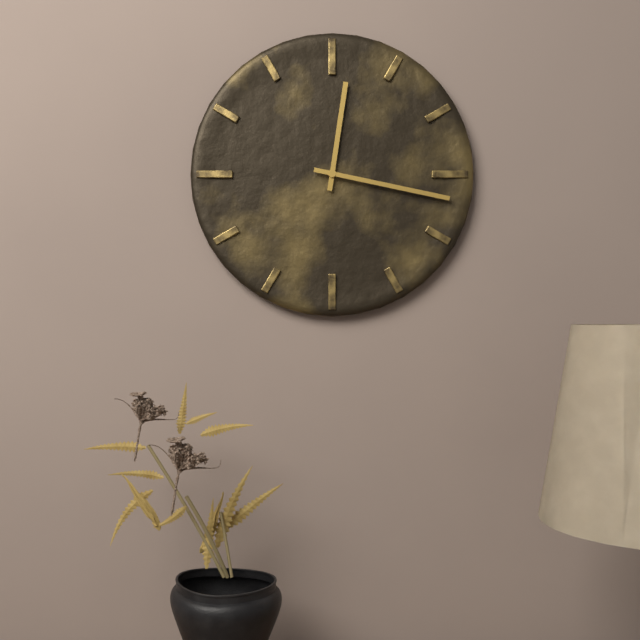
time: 12:17
